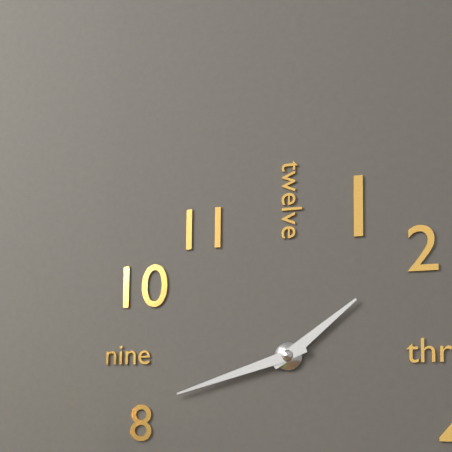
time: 1:42
